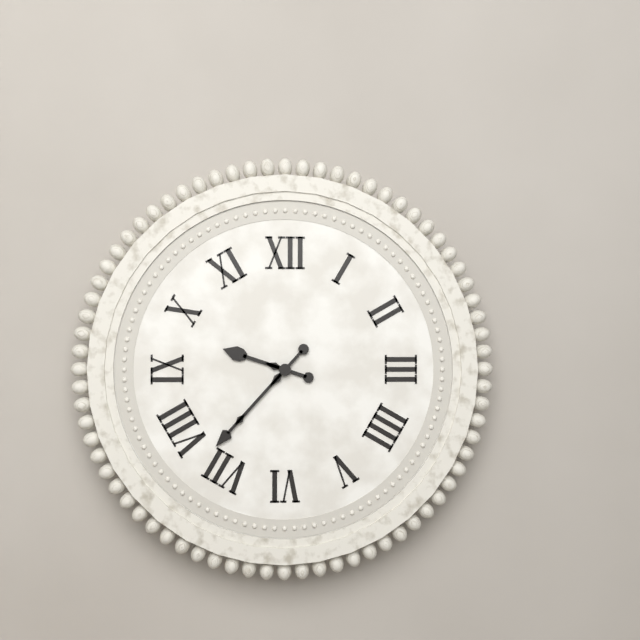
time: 9:37
